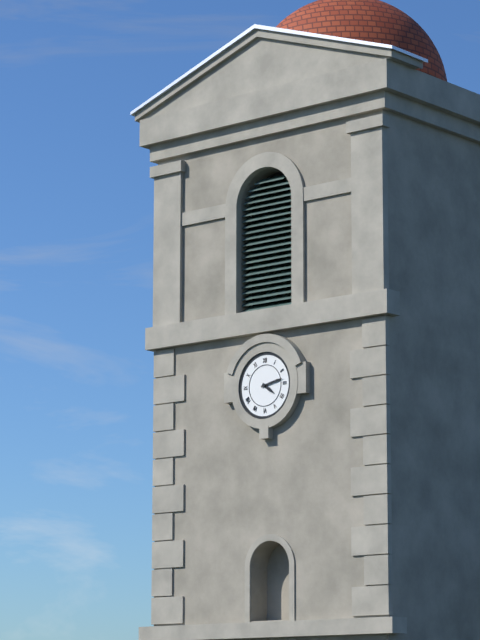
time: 4:13
